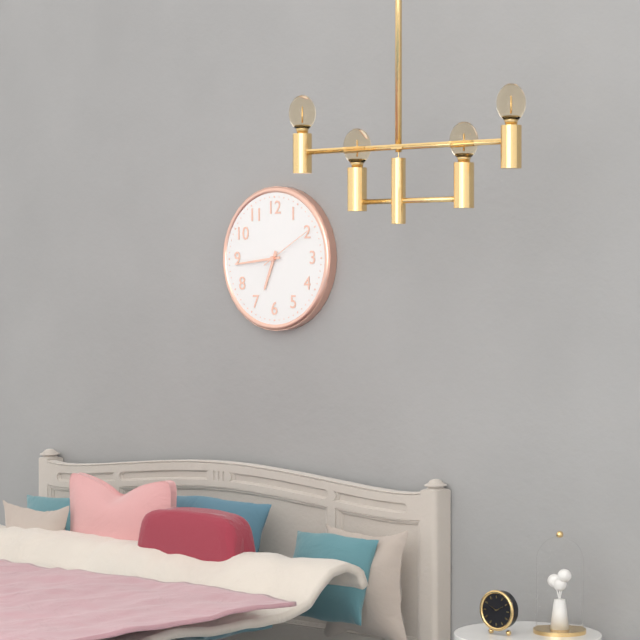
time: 6:44:10
